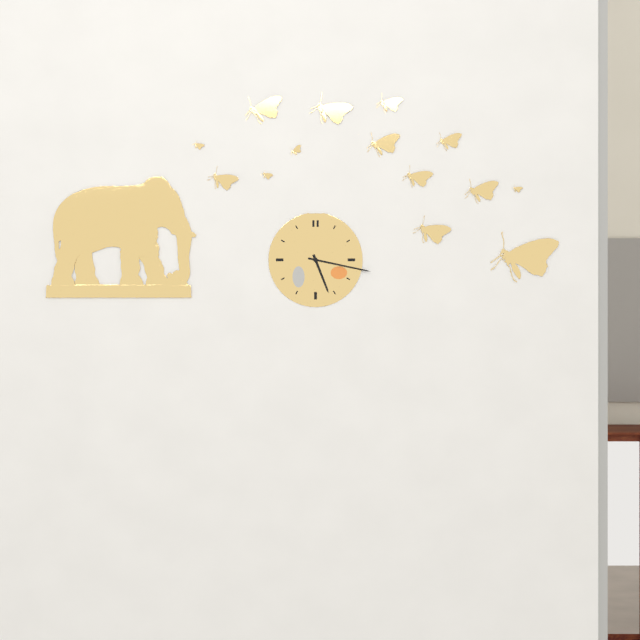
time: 5:17
